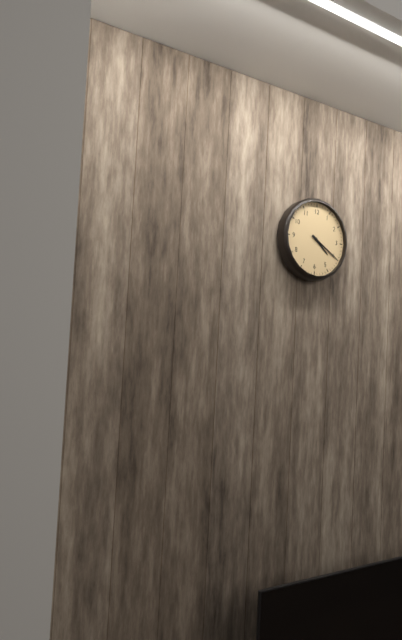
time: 4:20
